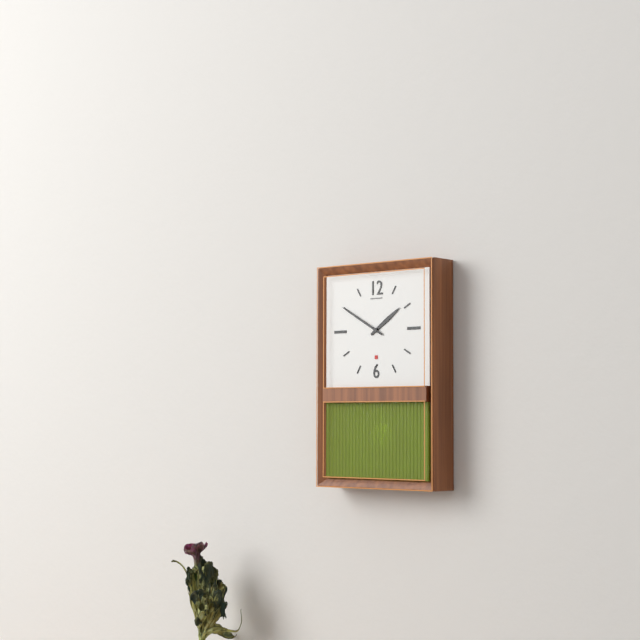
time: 1:50
